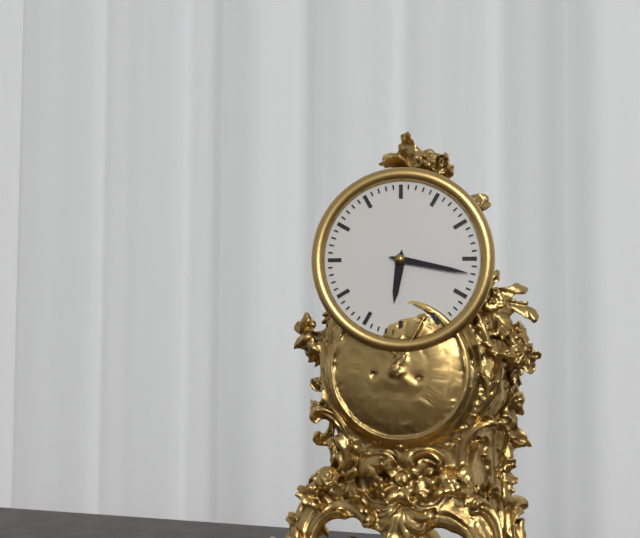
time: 6:17
